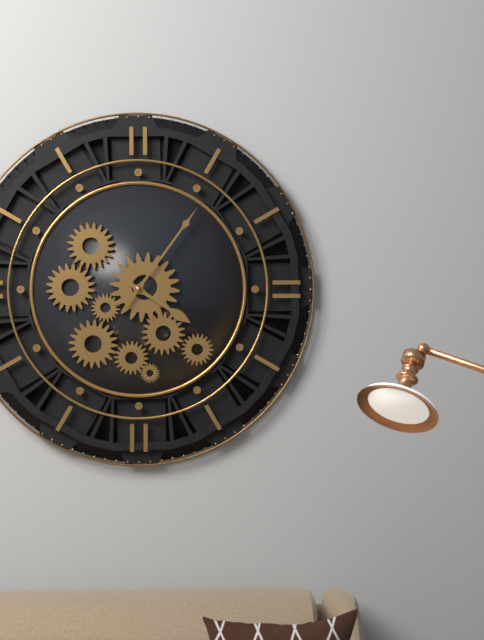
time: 4:06
